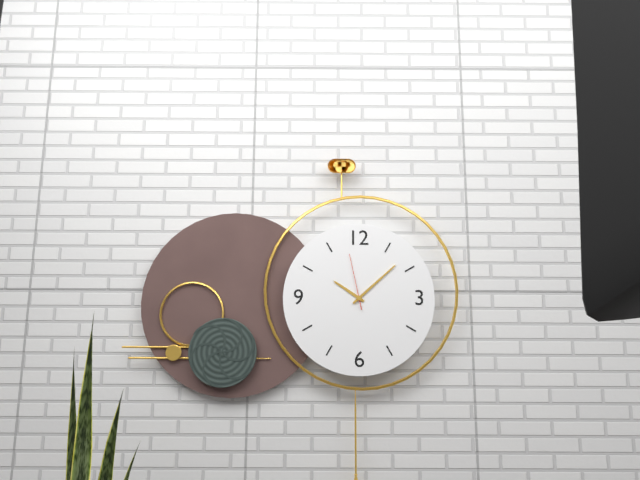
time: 10:08:58
